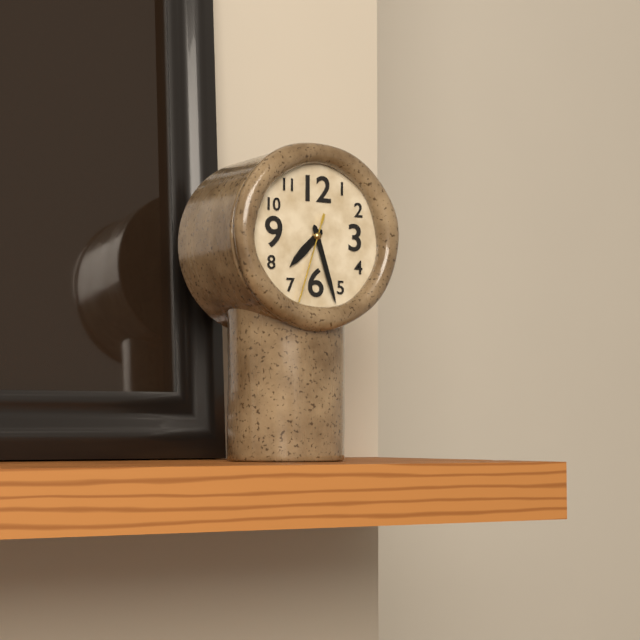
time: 7:27:33
